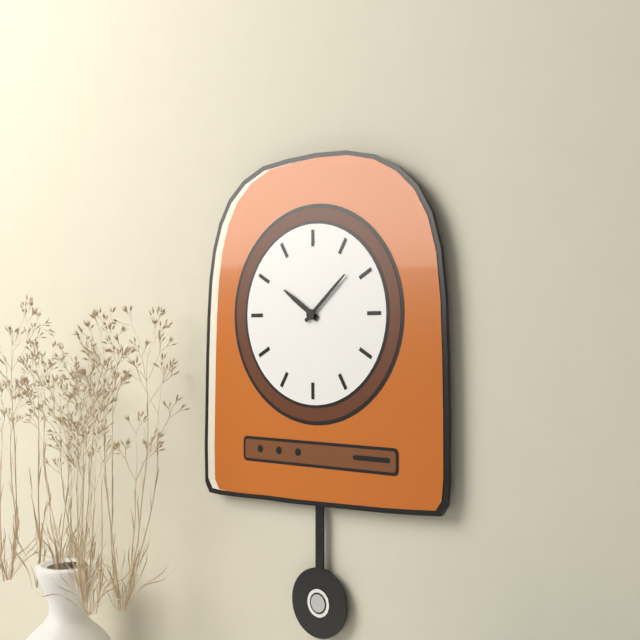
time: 10:08
